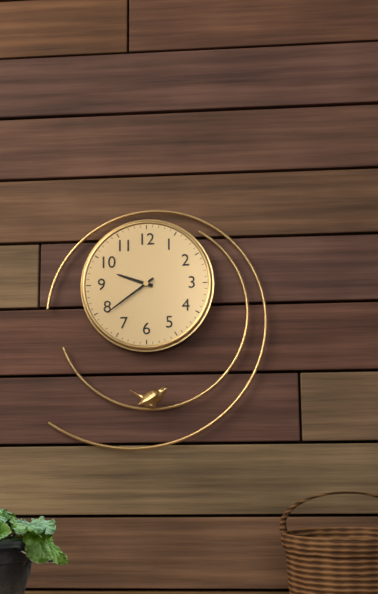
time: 9:39
